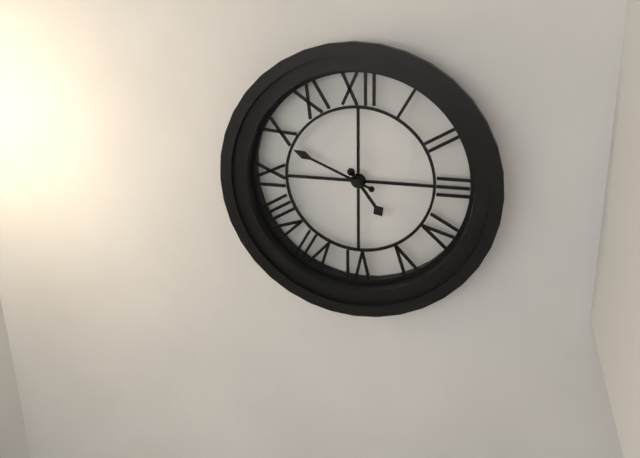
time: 4:49
